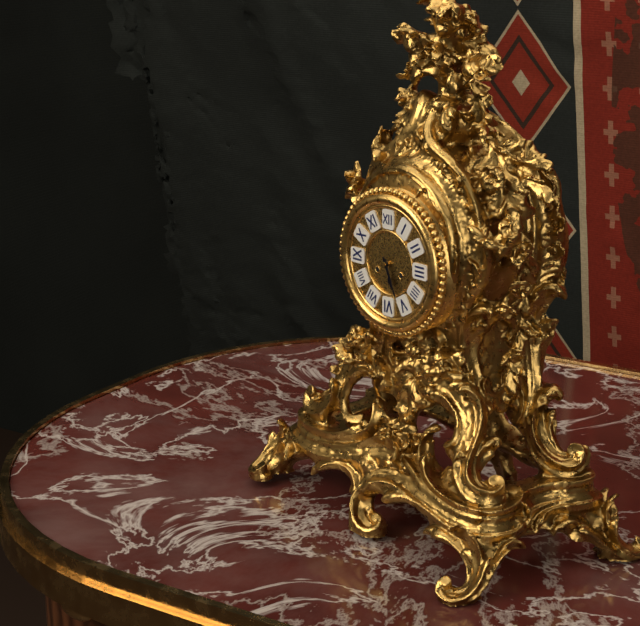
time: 5:26
